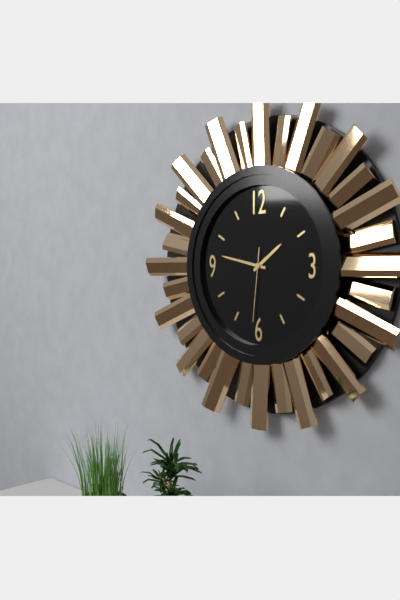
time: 1:47:31
